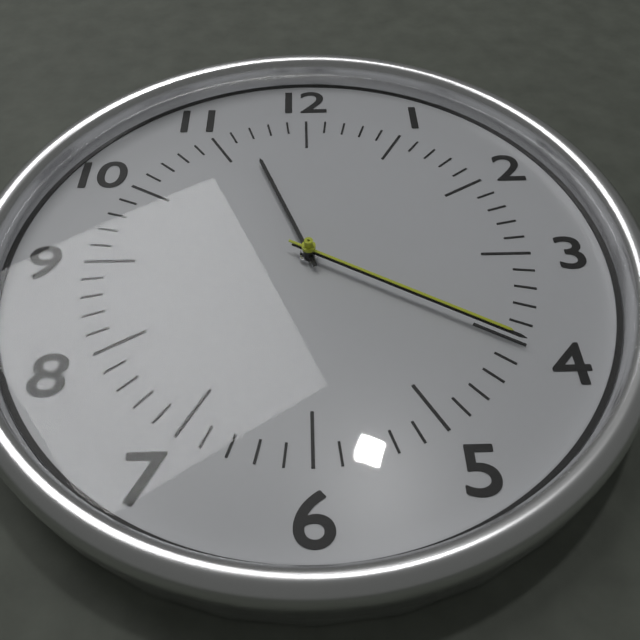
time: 11:20:20
